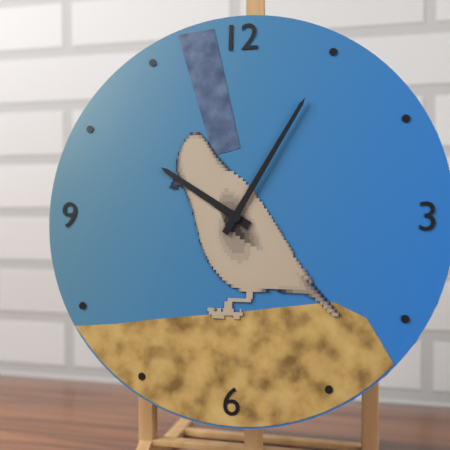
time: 10:05
